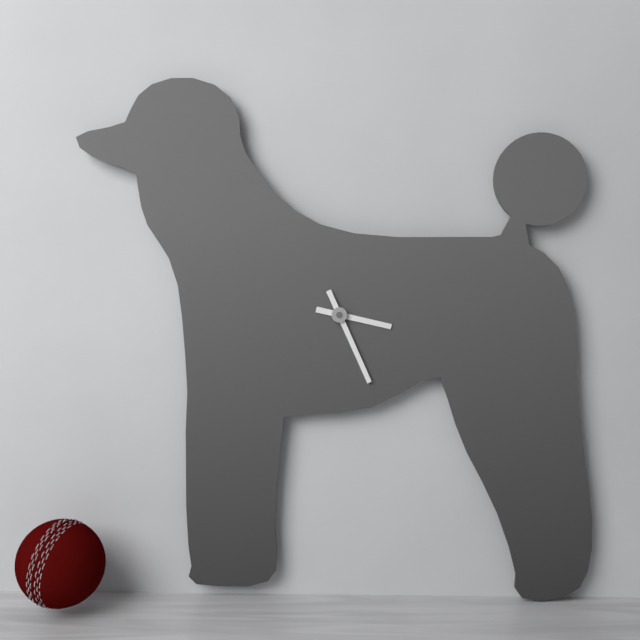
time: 3:26
